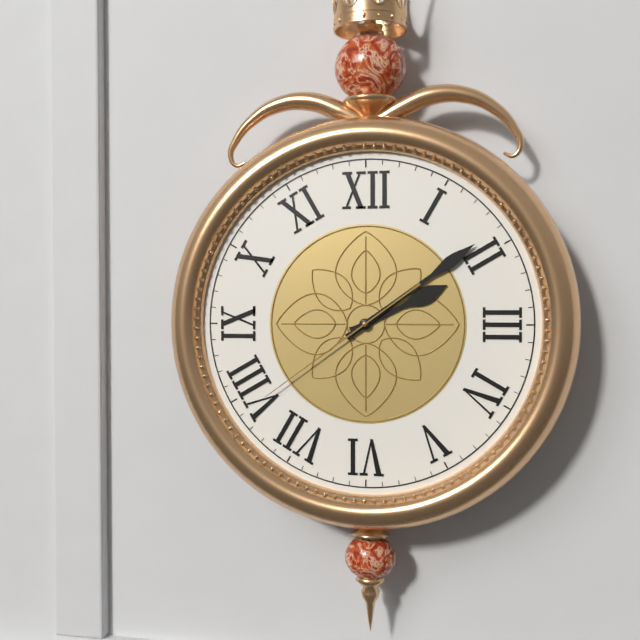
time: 2:09:39
